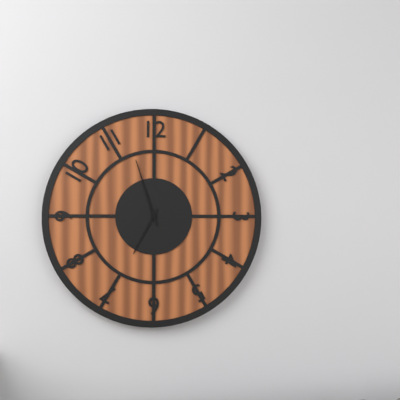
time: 6:57
